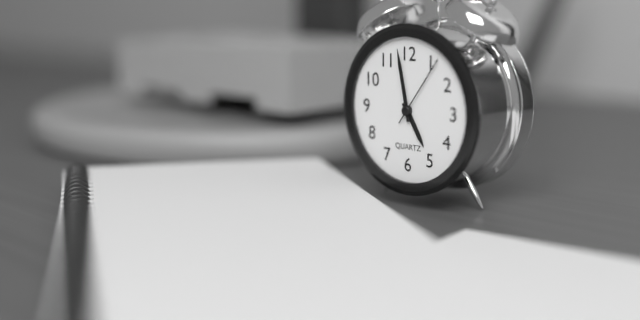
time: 4:58:06
